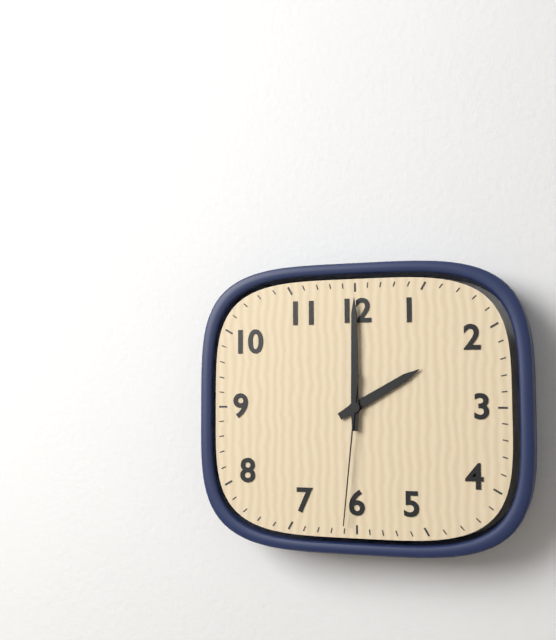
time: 2:00:31
